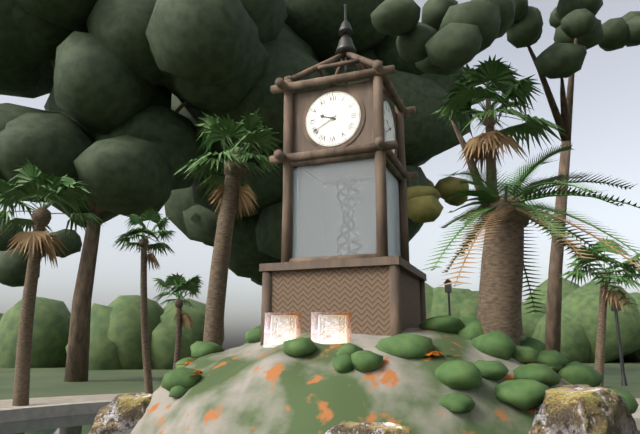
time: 9:40
